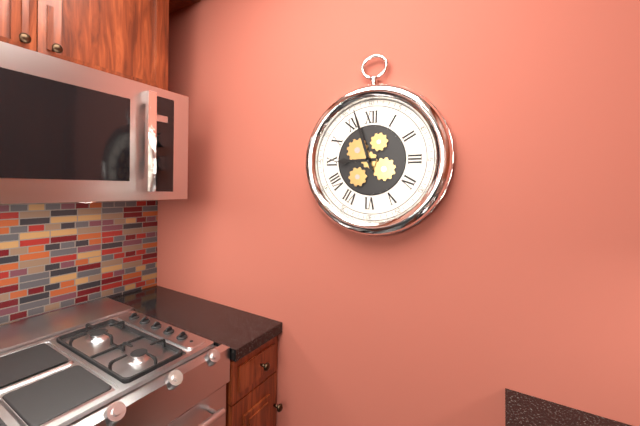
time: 8:57
